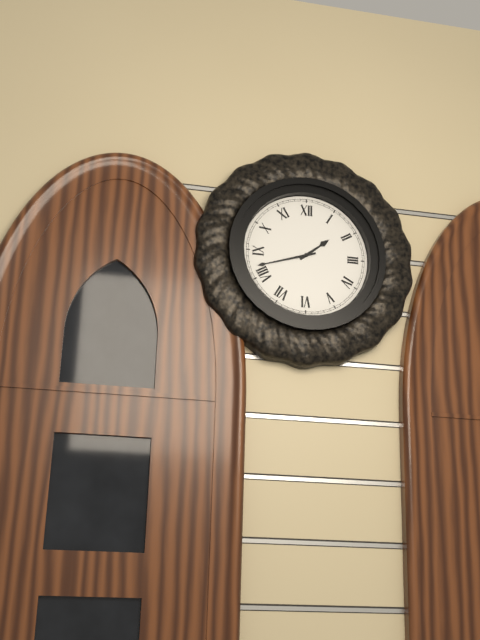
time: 1:42
